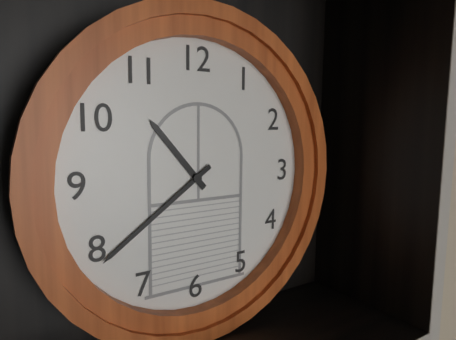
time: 10:39
